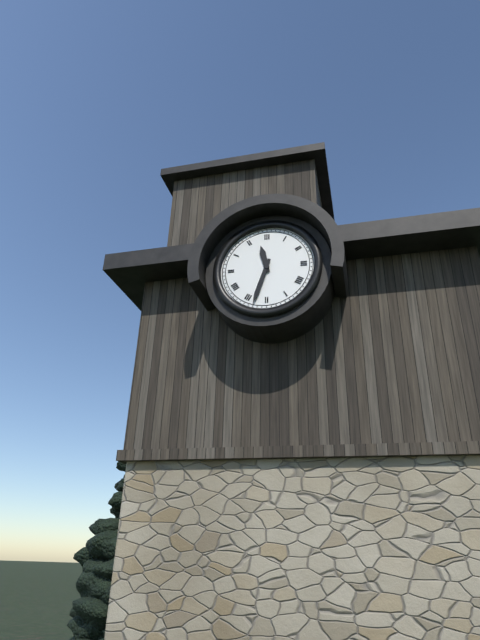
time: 11:33
